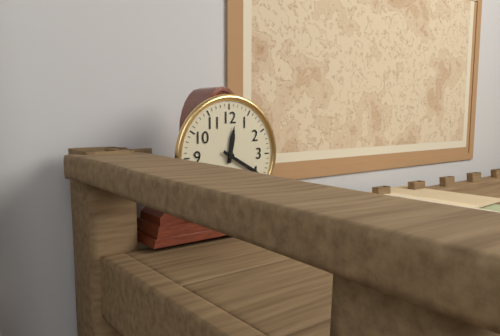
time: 12:20
